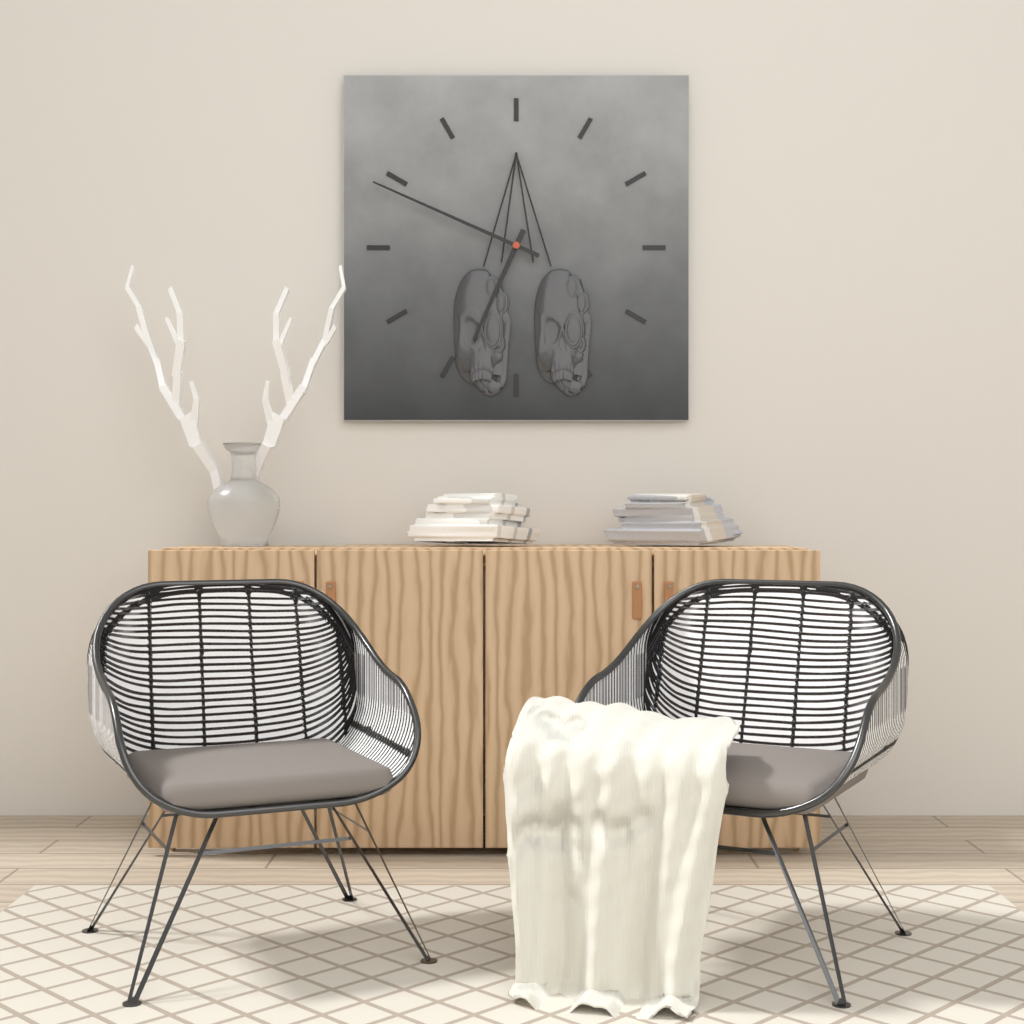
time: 6:49
